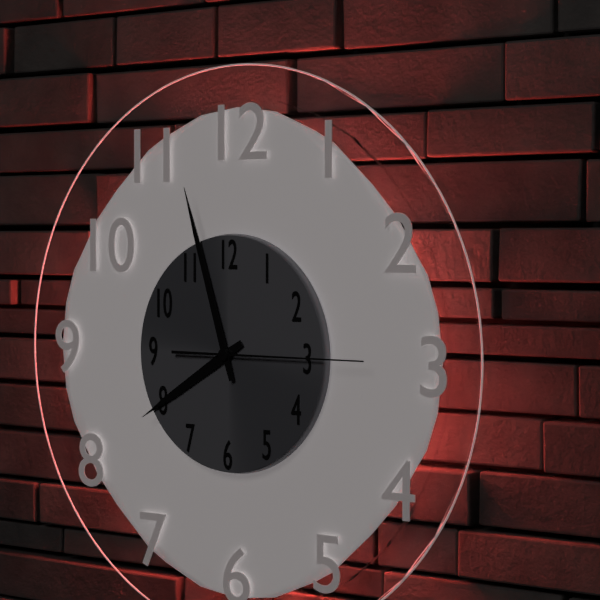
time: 7:57:15
